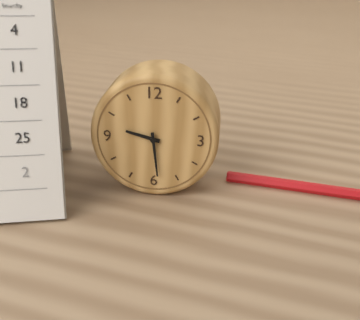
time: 9:29
